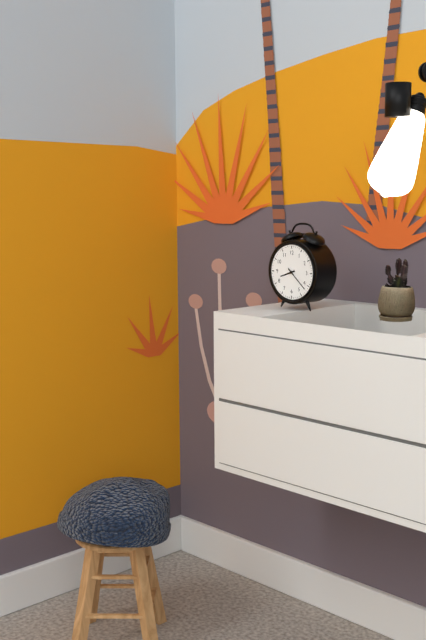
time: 8:22
